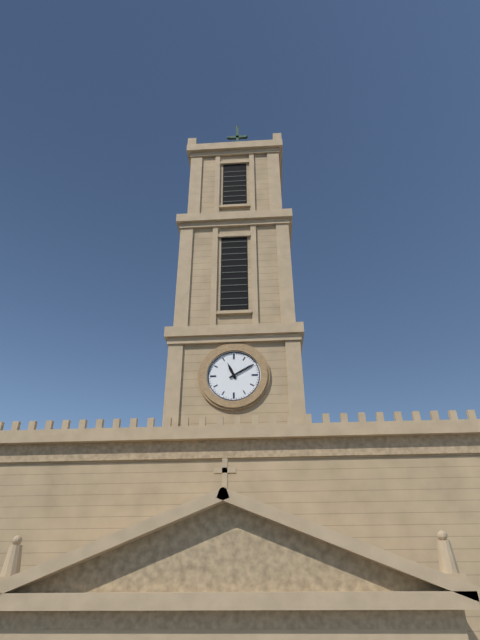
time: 11:10
